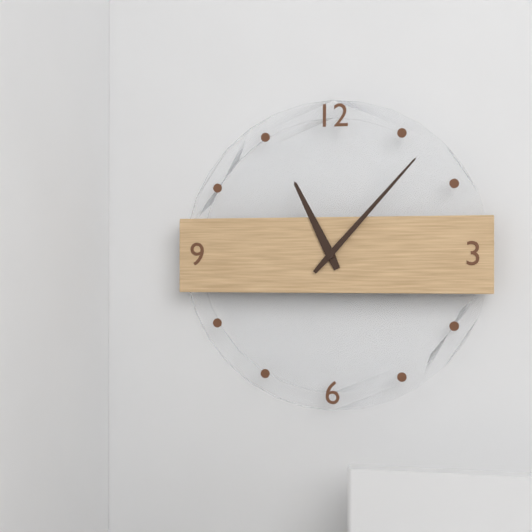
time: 11:07
